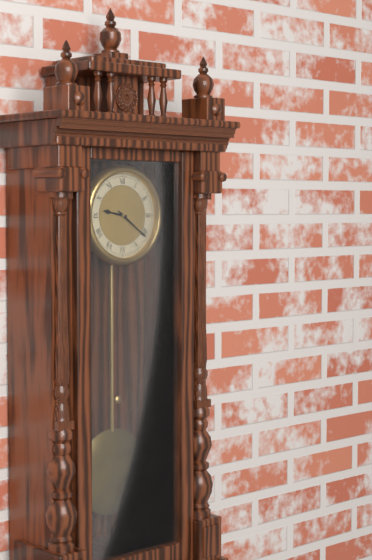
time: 9:21
